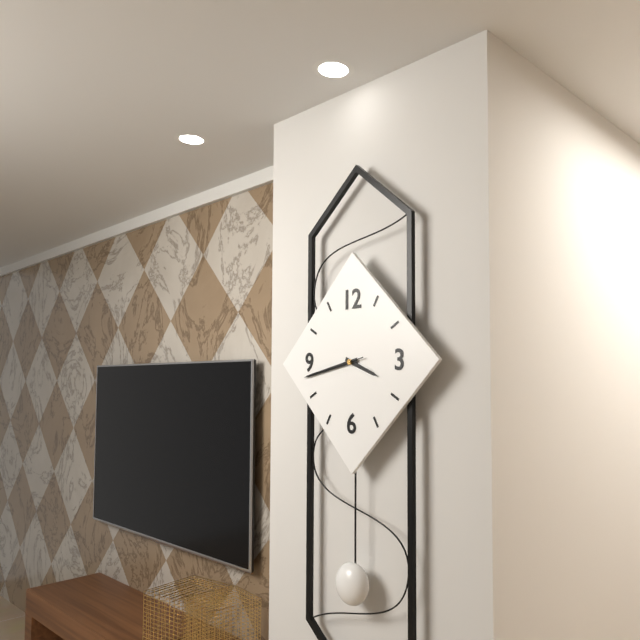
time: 3:43:43
